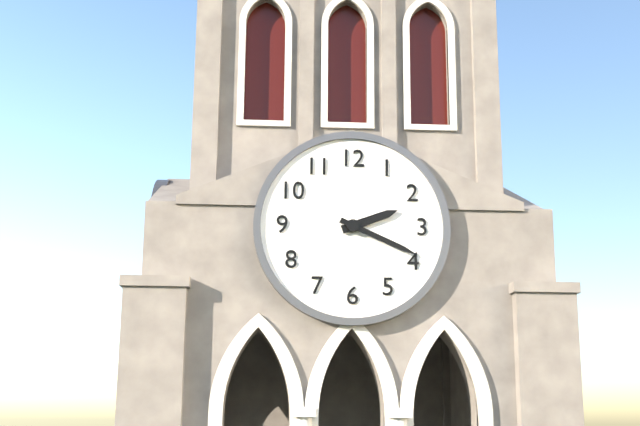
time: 2:19
